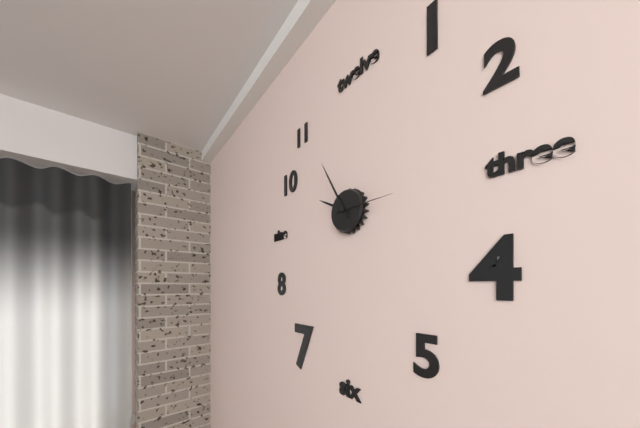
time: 9:55:15
